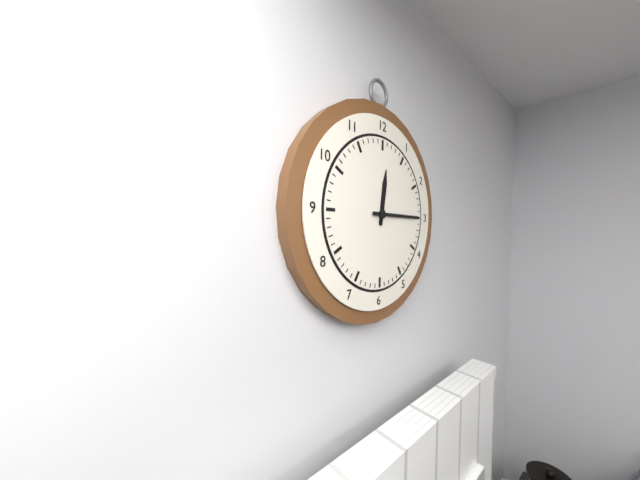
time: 12:15
